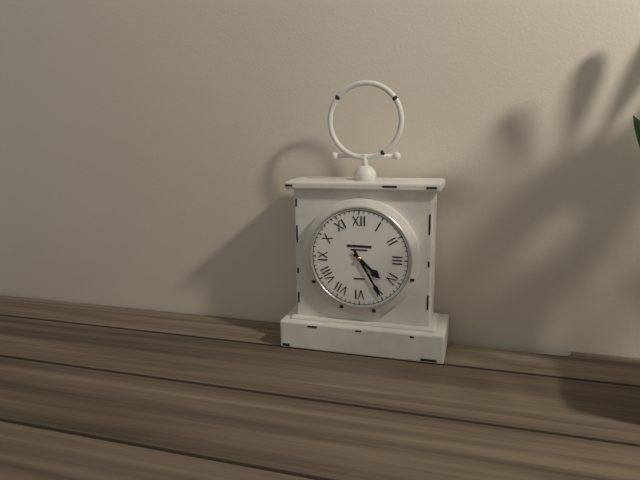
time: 4:25
